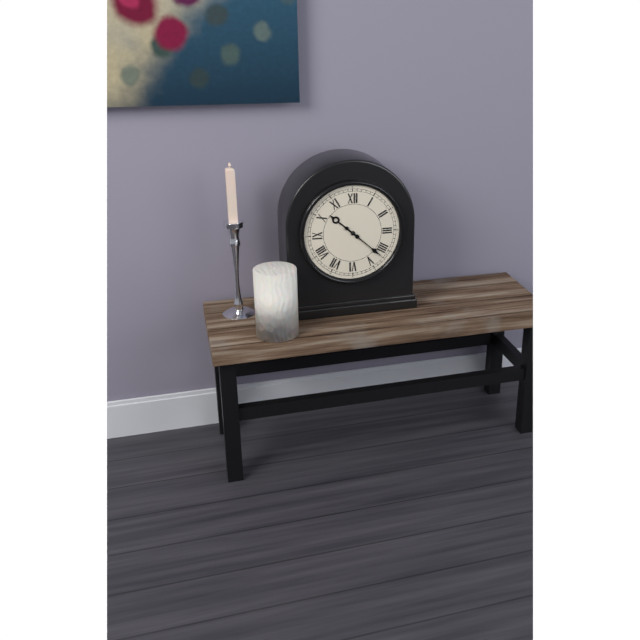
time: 10:22
